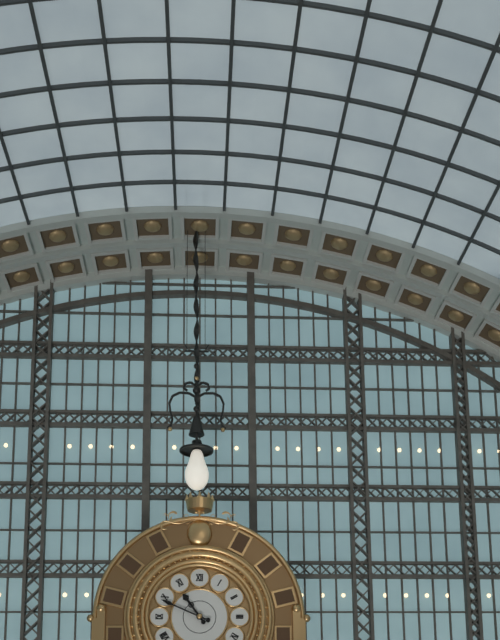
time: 10:49
